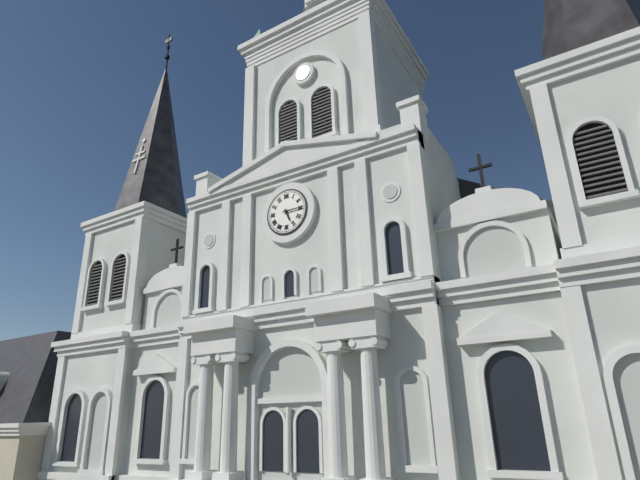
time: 5:15
